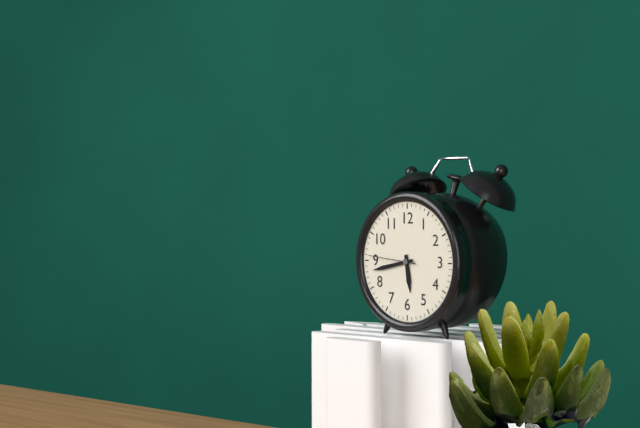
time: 5:43
